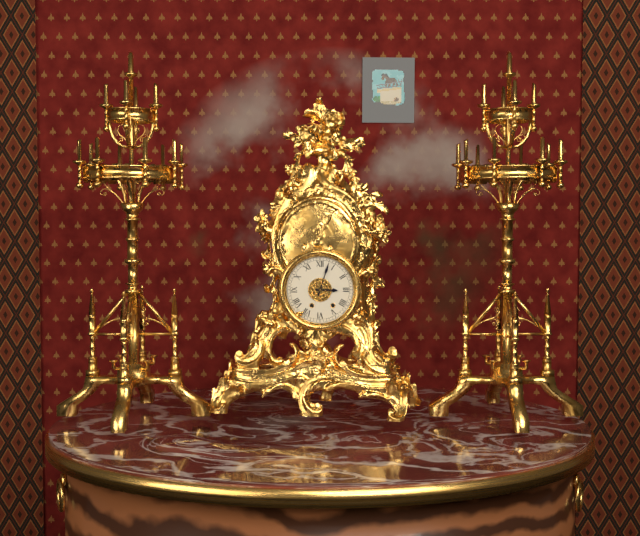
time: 3:03
